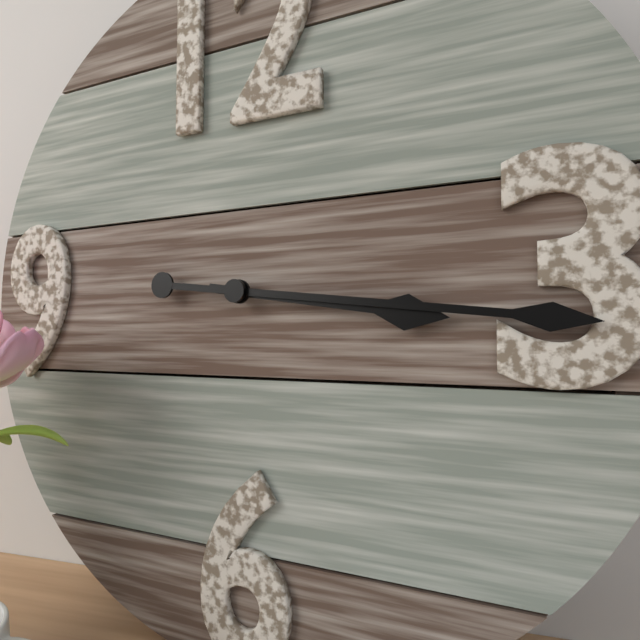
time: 3:16
